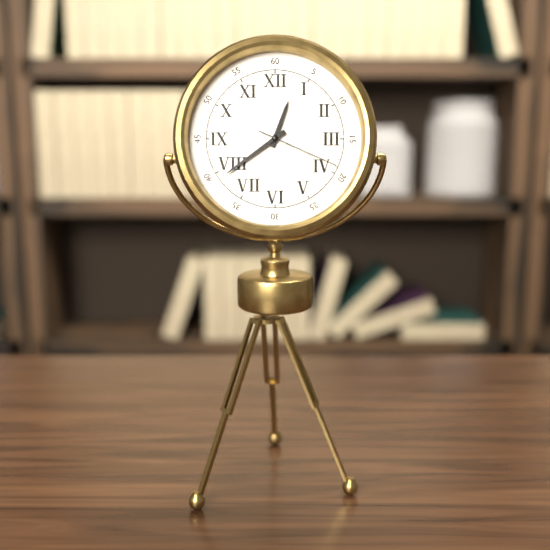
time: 12:39:19
